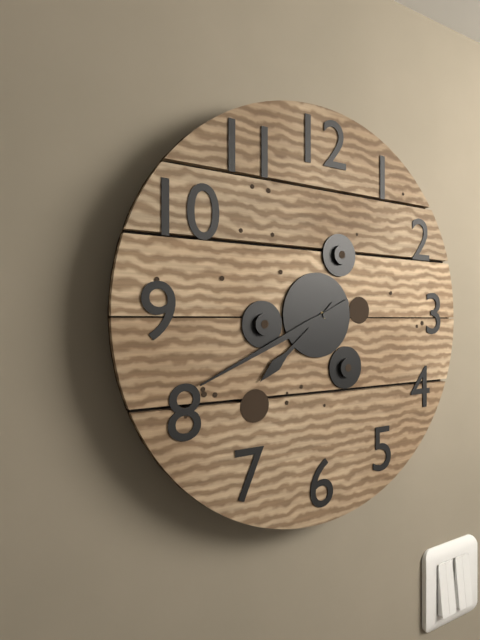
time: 7:41
